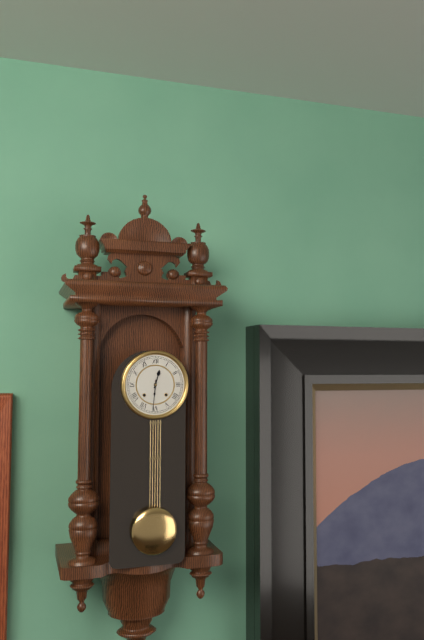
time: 12:31
